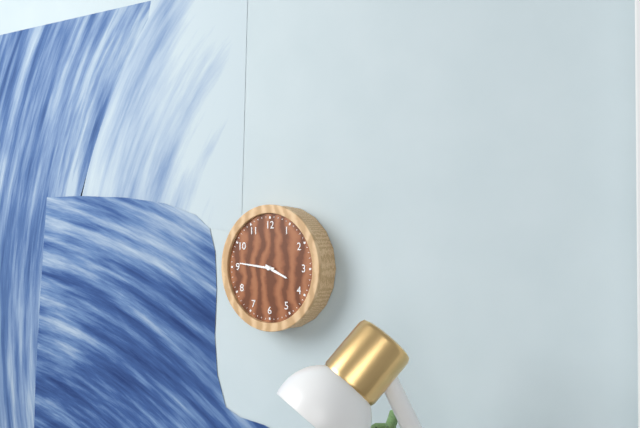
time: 3:46
